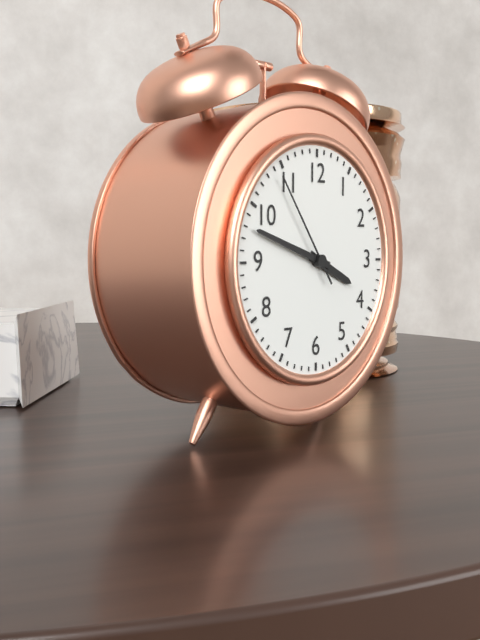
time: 3:48:54
